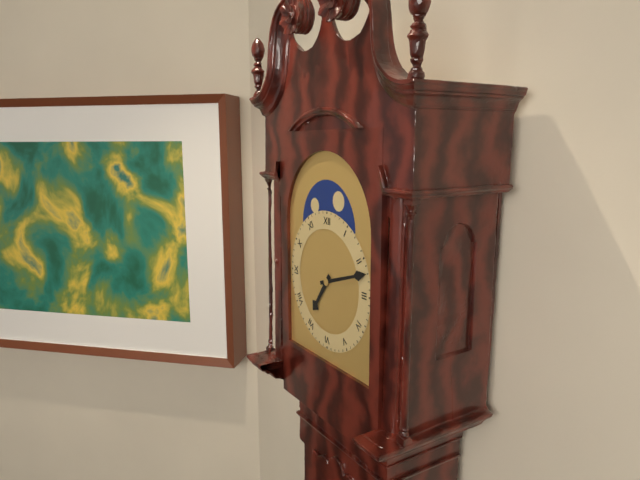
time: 7:12
